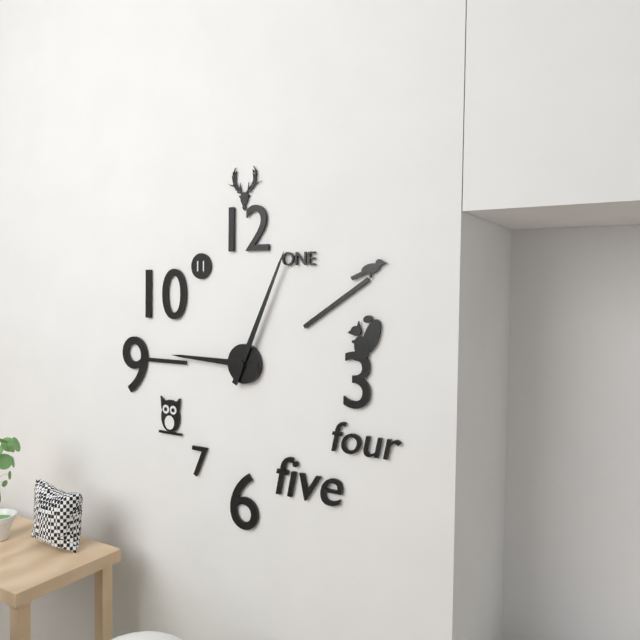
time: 9:04
